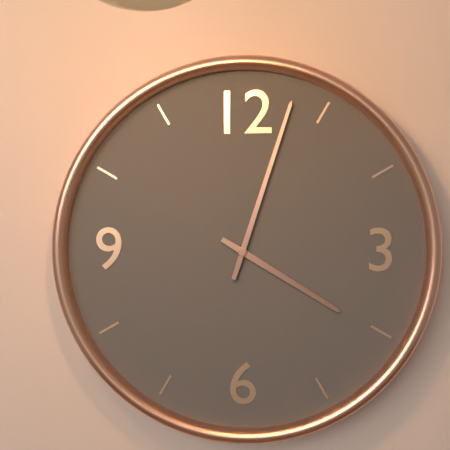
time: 4:03
